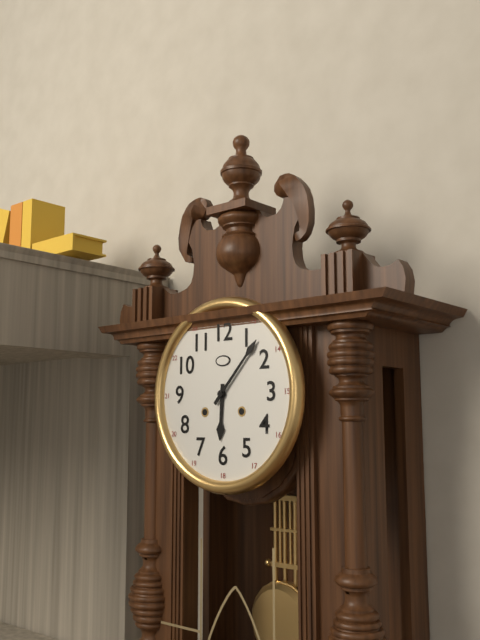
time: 6:07
